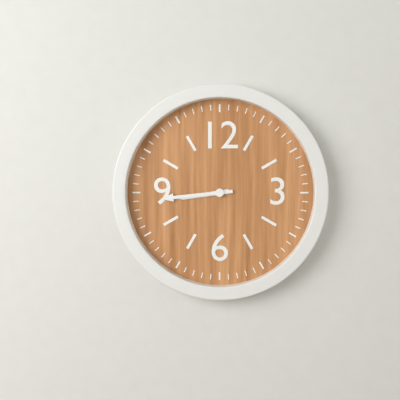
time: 8:44
